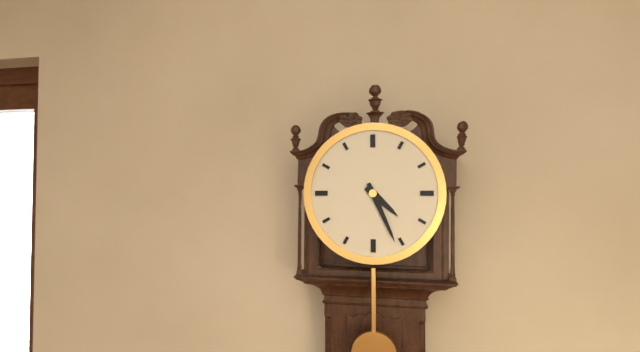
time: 4:26
